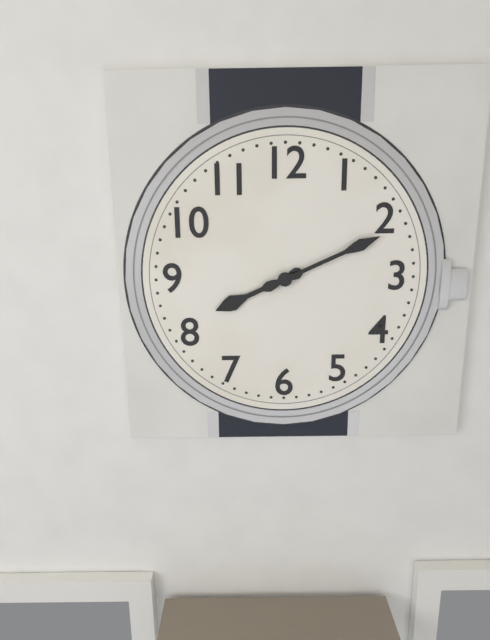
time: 8:11
